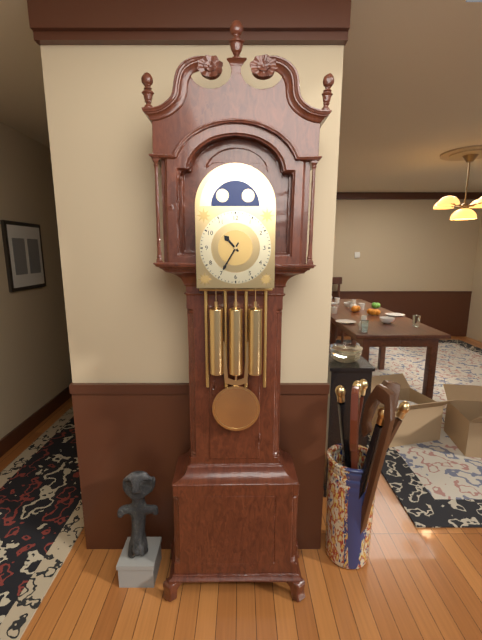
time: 10:35
